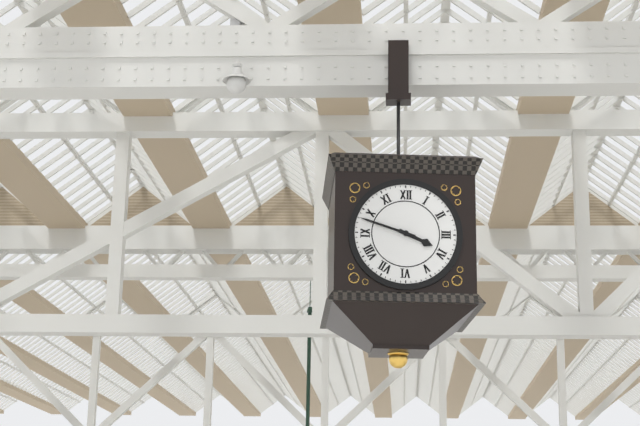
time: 3:48
